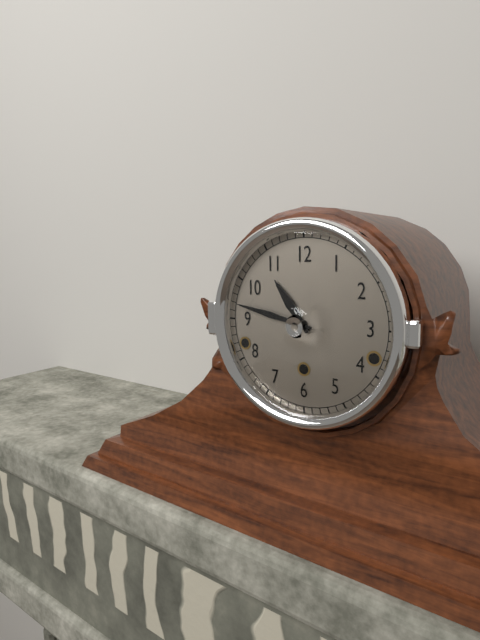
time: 10:47
